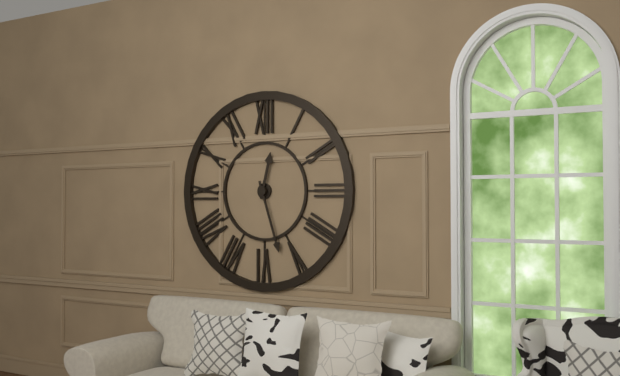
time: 12:27
